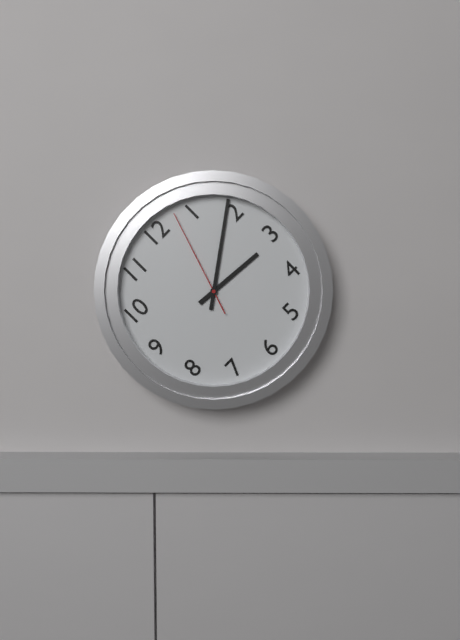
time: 3:09:03
